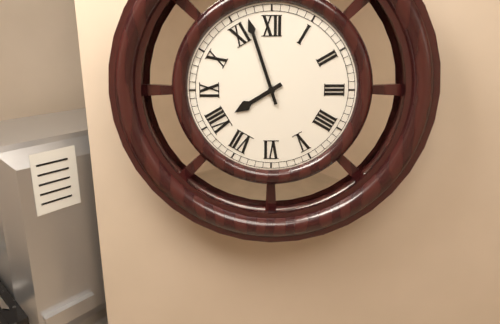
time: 7:57
